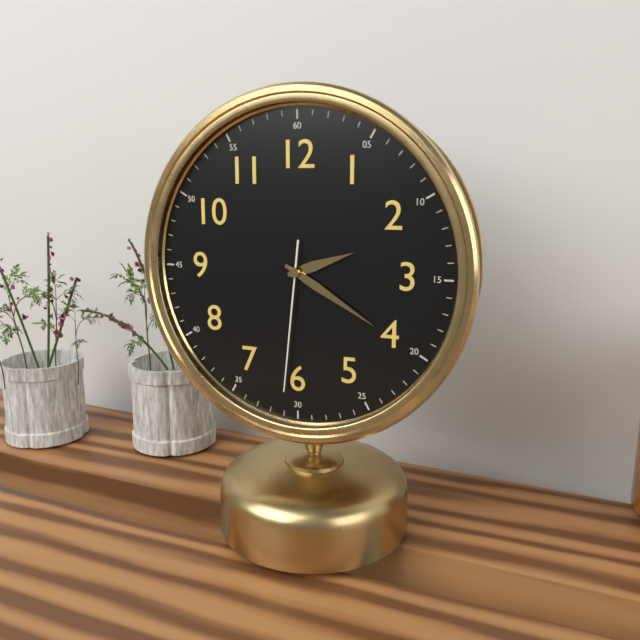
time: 2:20:31
